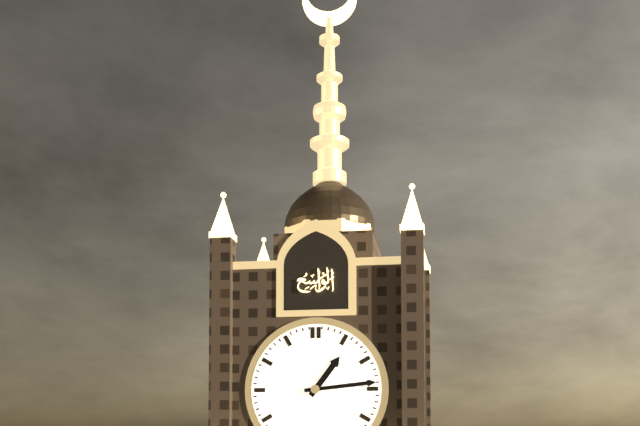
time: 1:14
